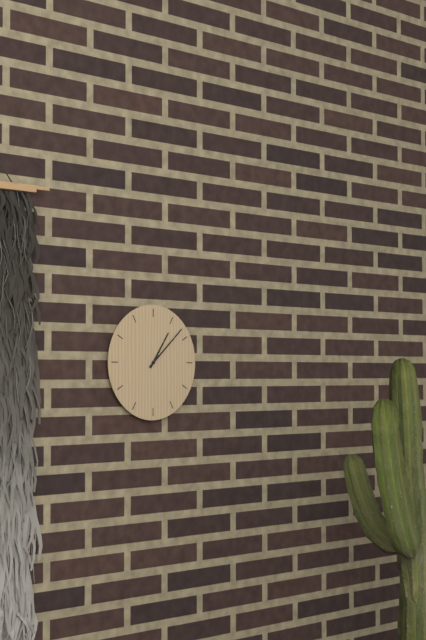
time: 1:08
